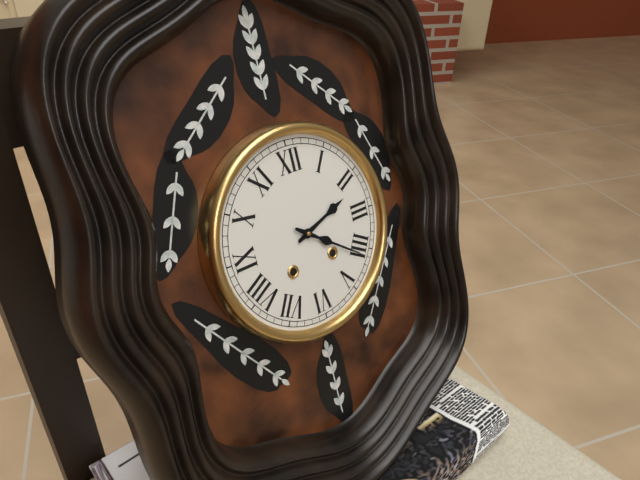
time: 2:21
